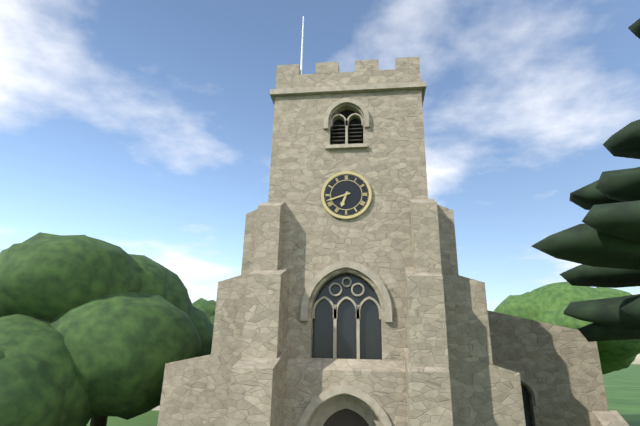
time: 6:42
